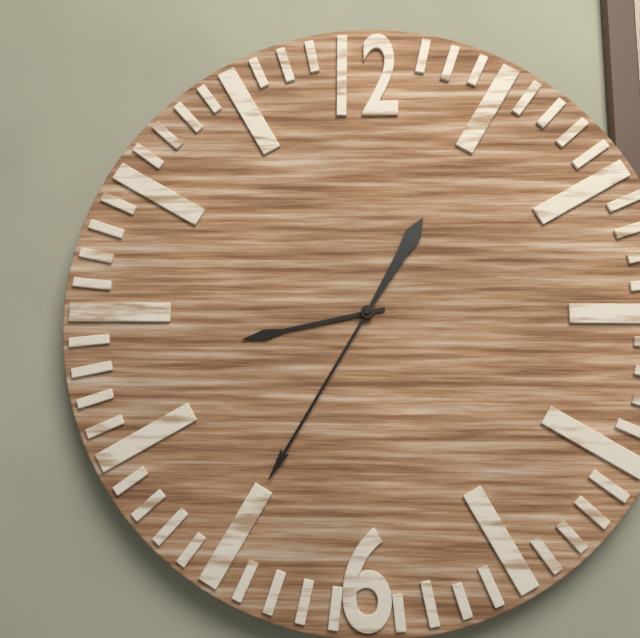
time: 8:35
